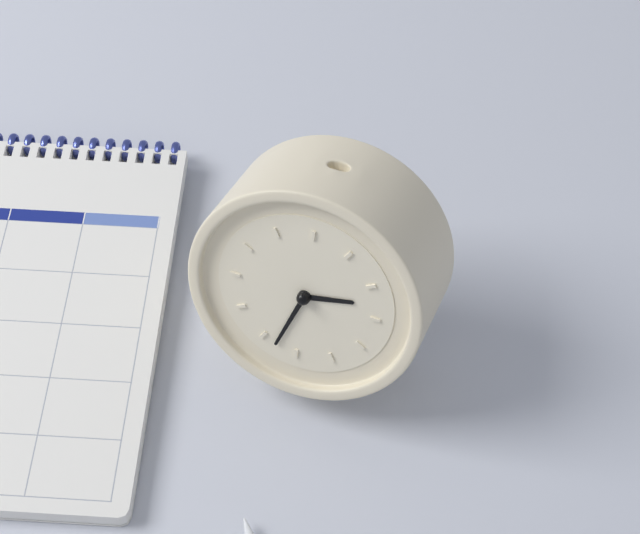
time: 2:33
